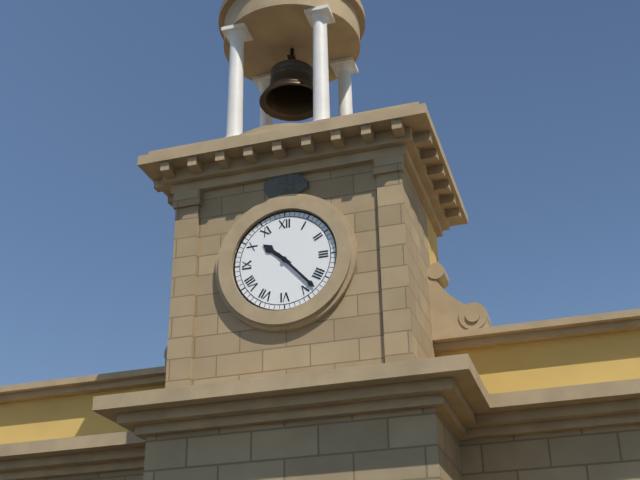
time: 10:23
